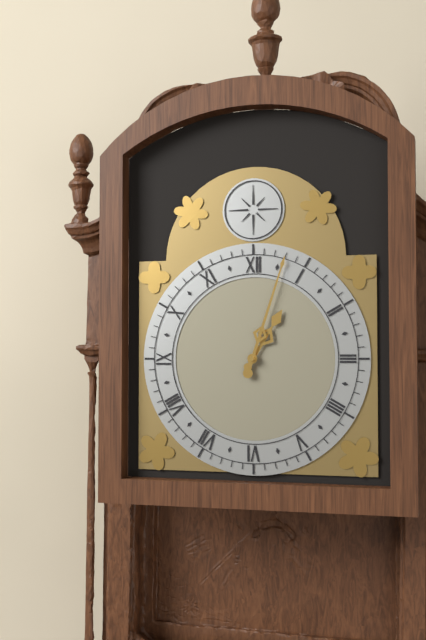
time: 1:03
